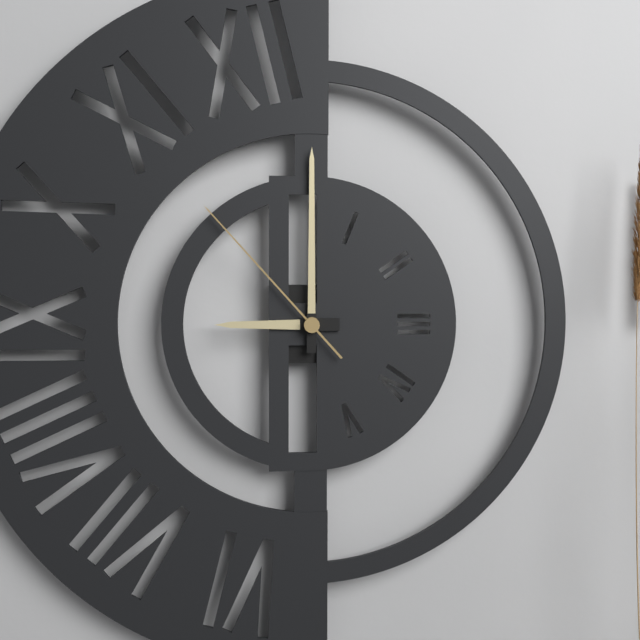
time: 9:00:53
